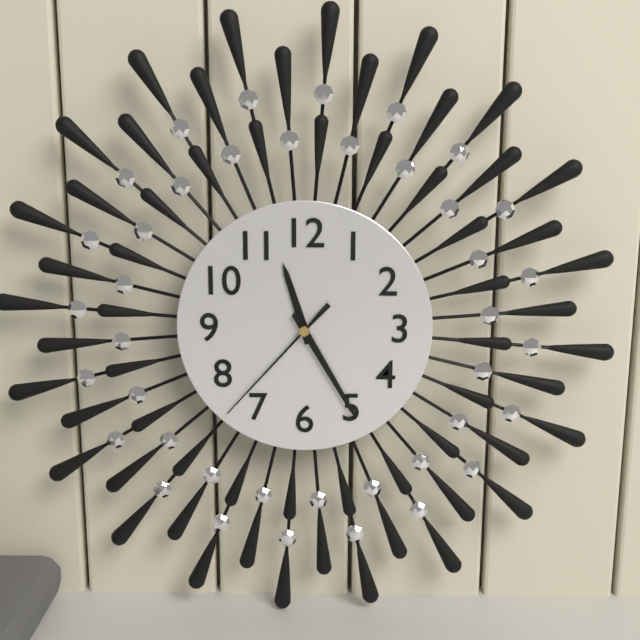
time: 11:25:37
